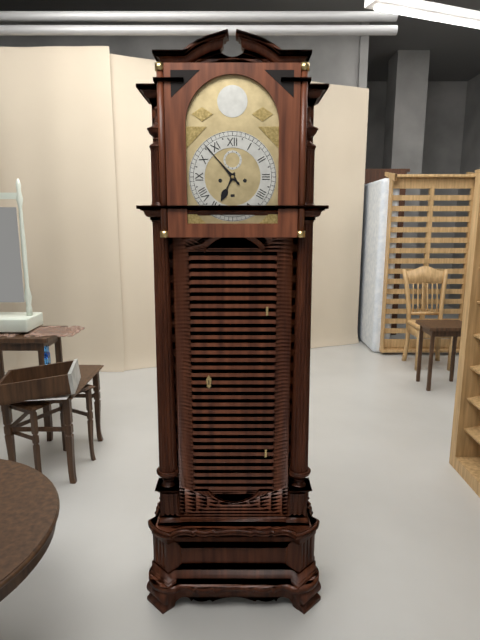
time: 6:53
